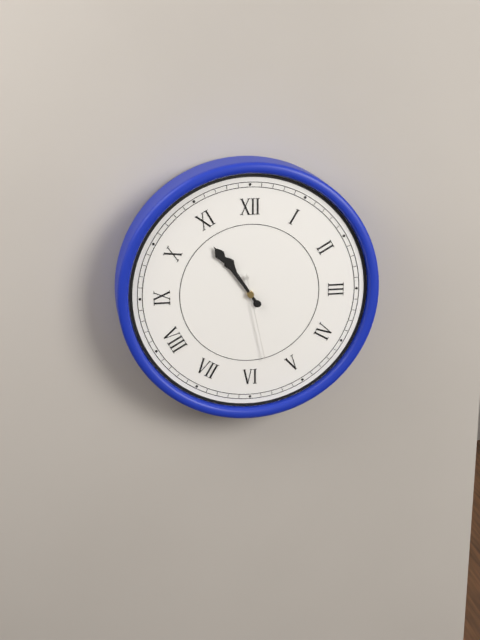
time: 10:54:28
